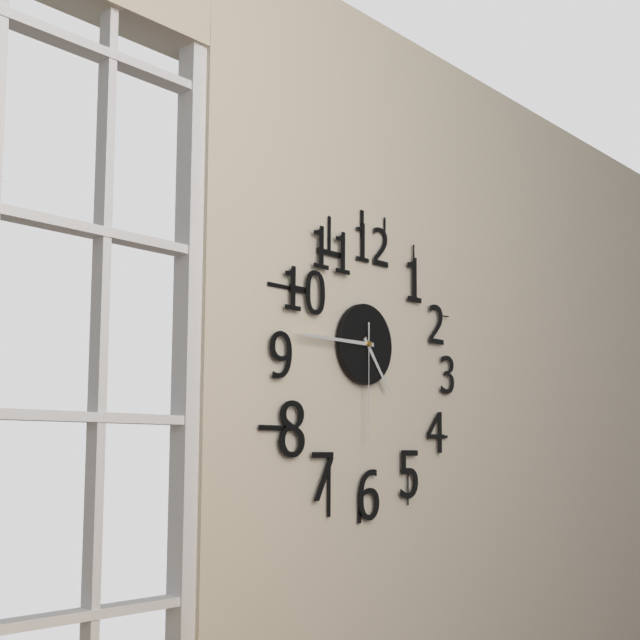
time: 4:45:30
